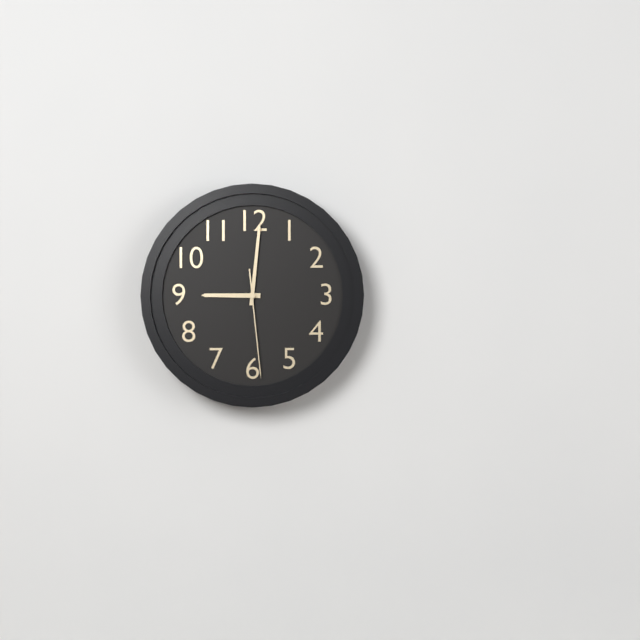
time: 9:01:29
